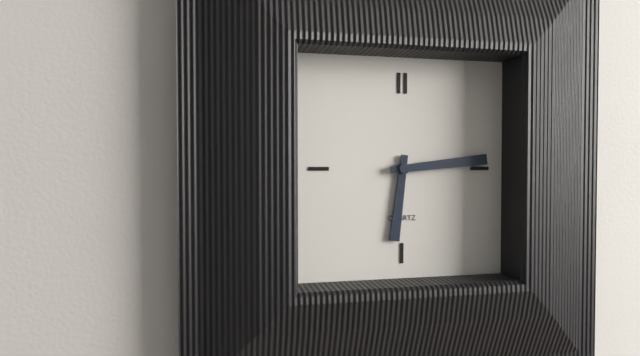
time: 6:14
